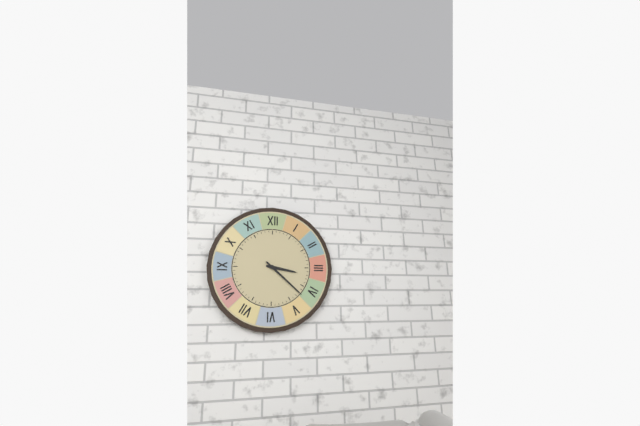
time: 3:22
